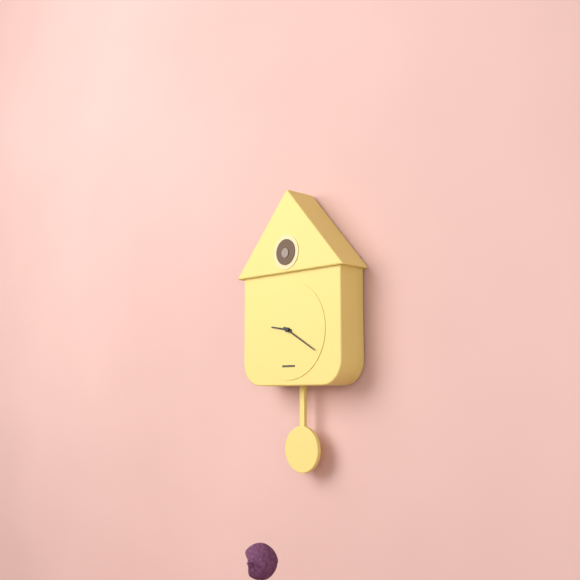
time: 9:20
